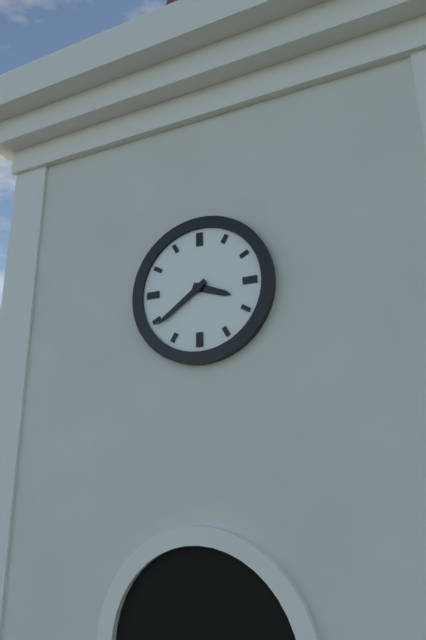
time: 3:39
